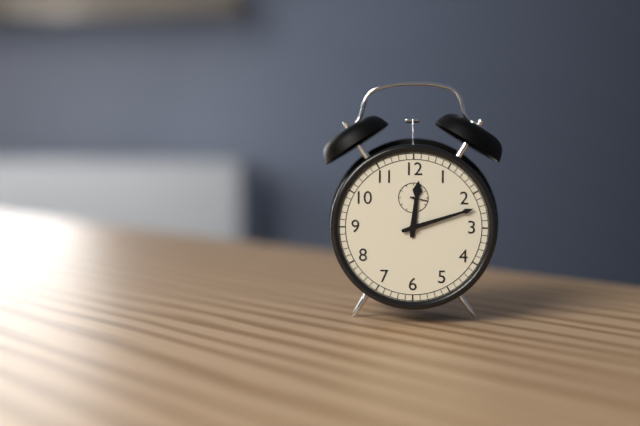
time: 12:12
